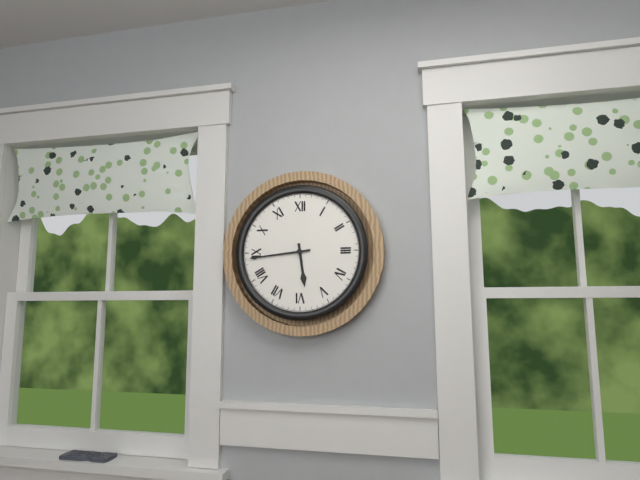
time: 5:44
